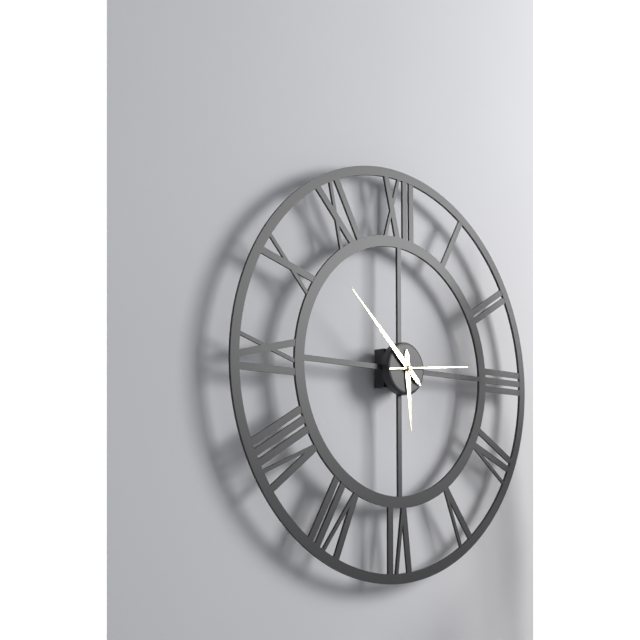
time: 5:52:14
